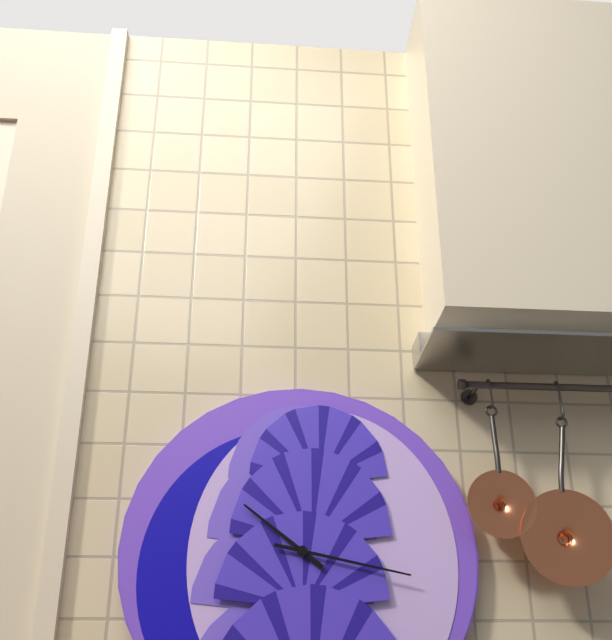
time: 10:17
